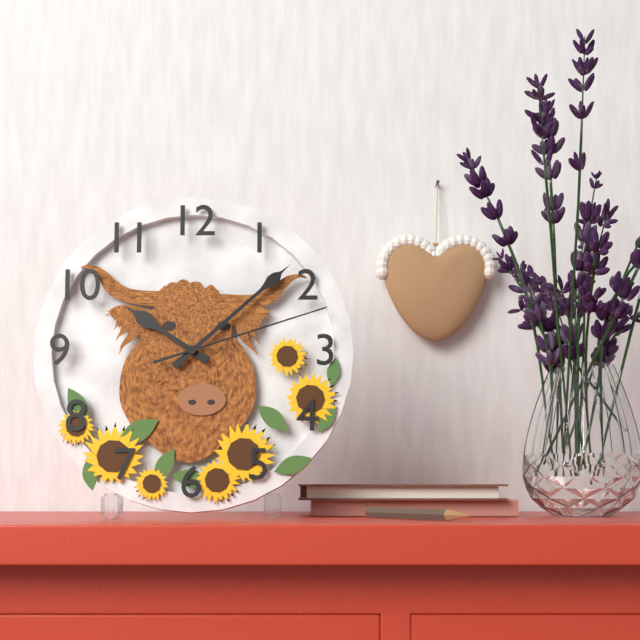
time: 10:08:12
